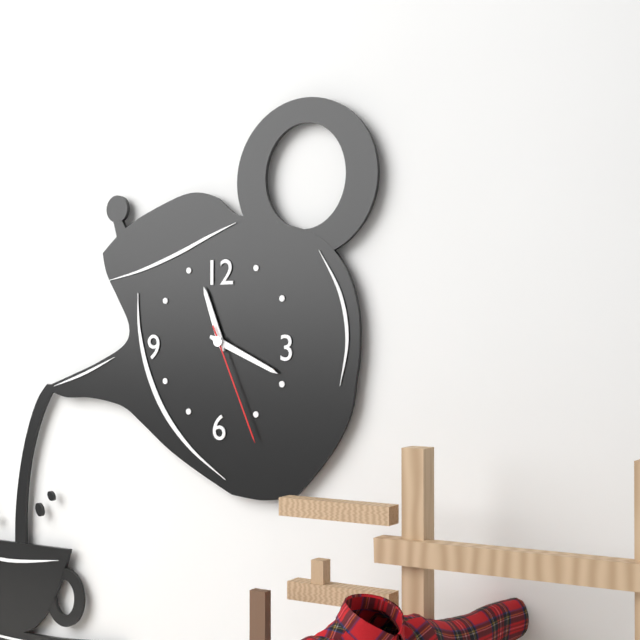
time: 11:19:26
